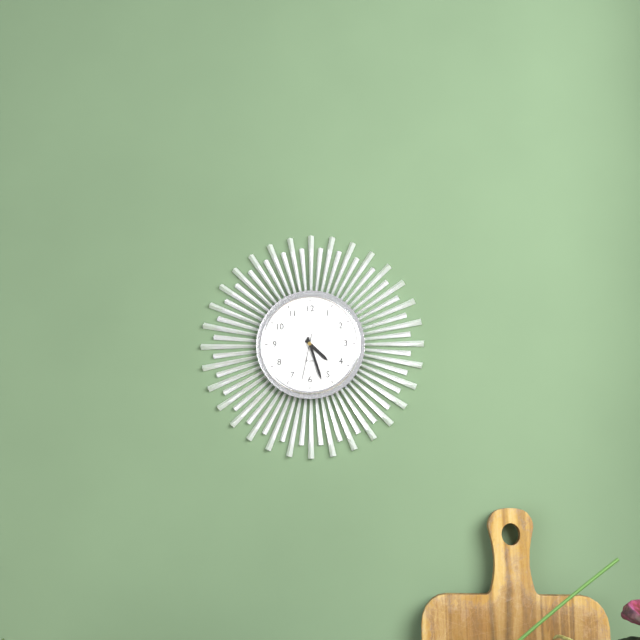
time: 4:27:32
